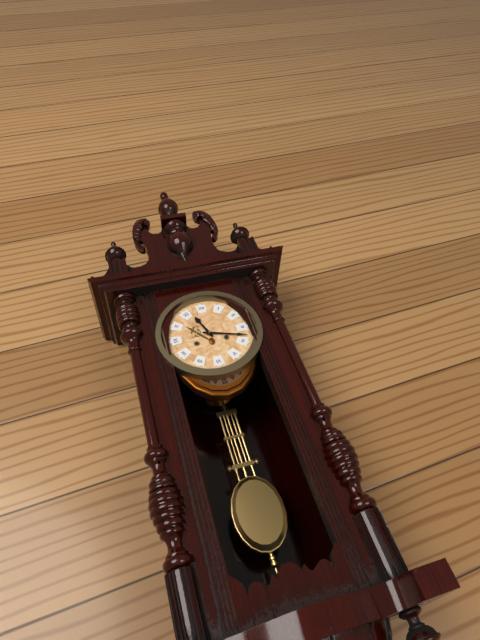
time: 11:18
